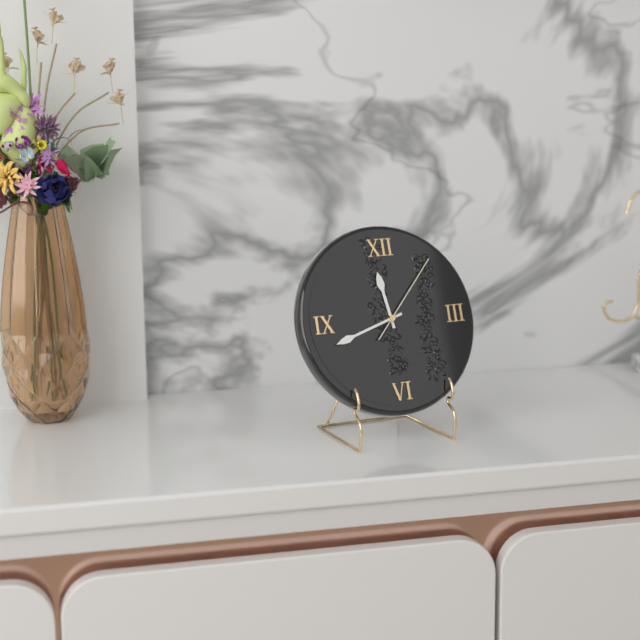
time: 11:42:07
